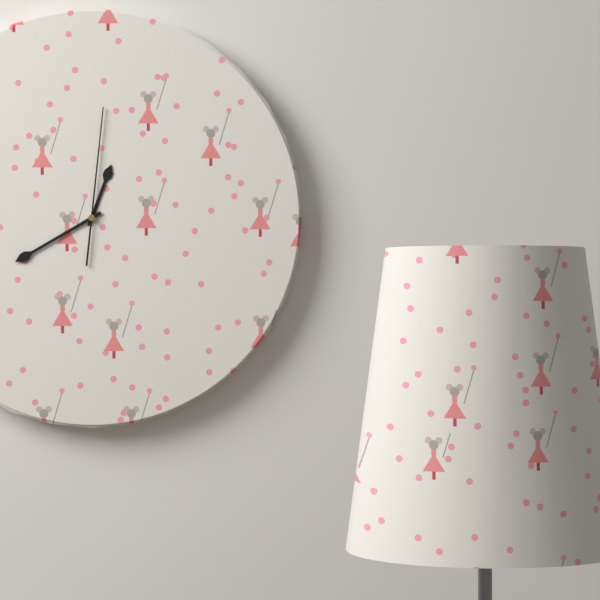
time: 12:40:01
